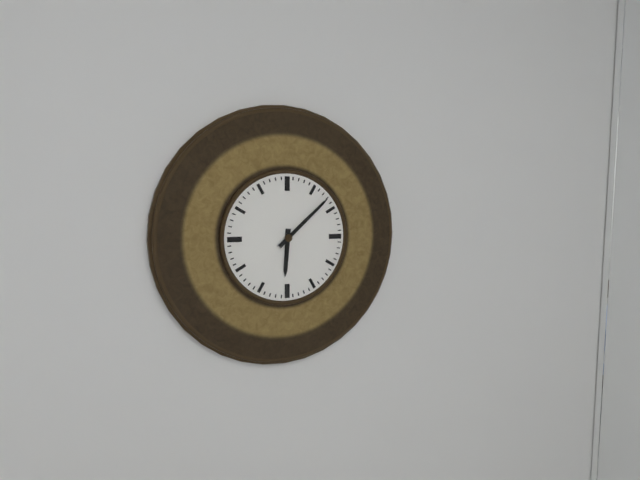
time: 6:08
